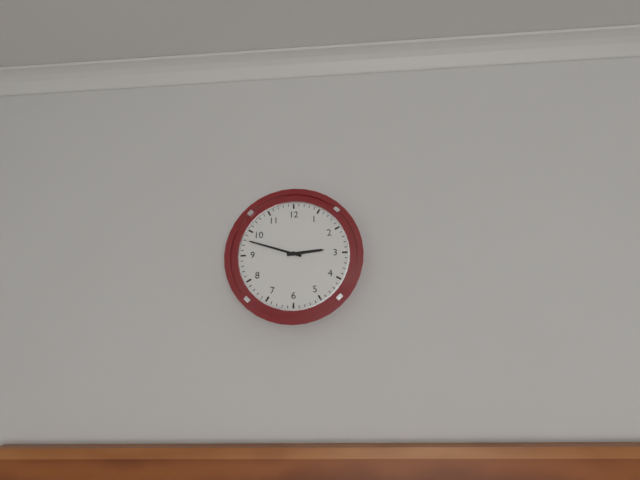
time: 2:48
